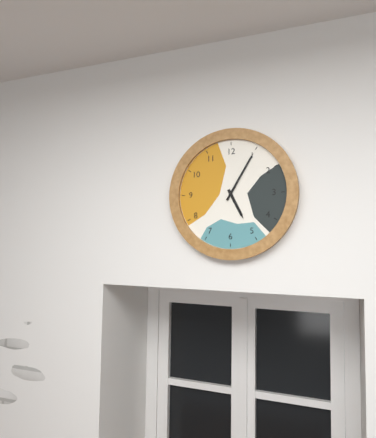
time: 5:05
